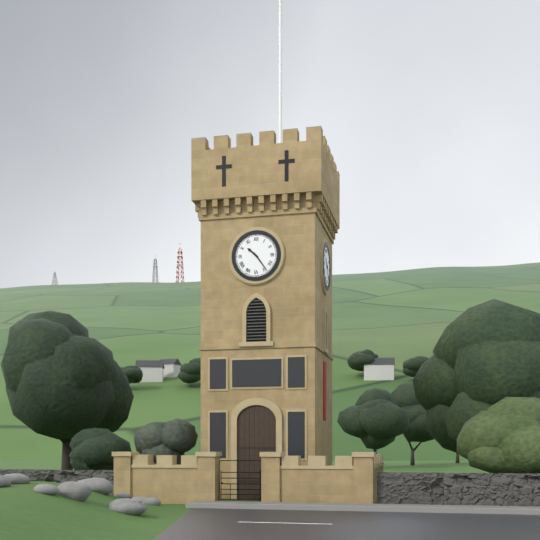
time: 10:24
